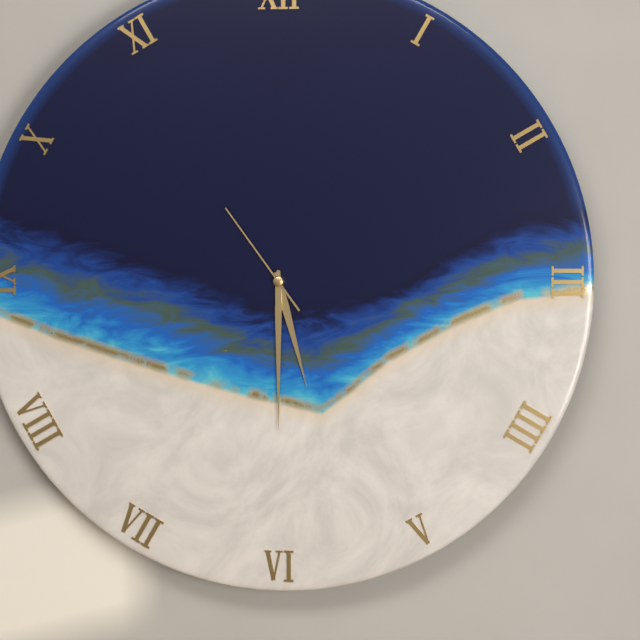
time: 5:30:54
